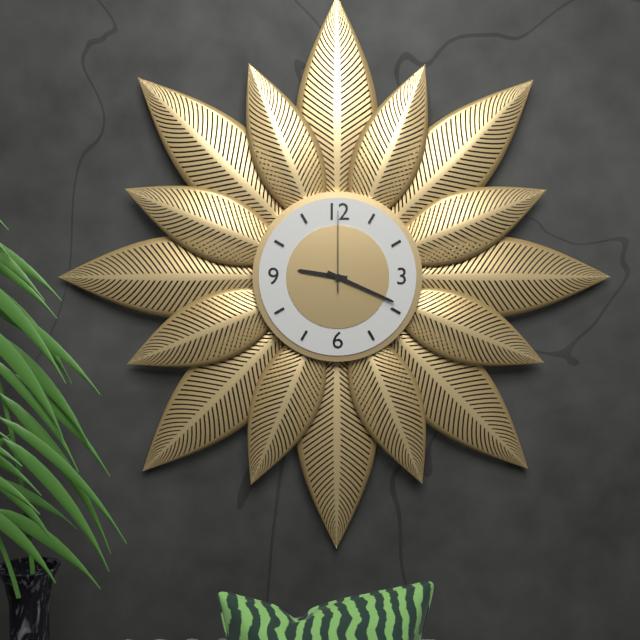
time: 9:19:00
